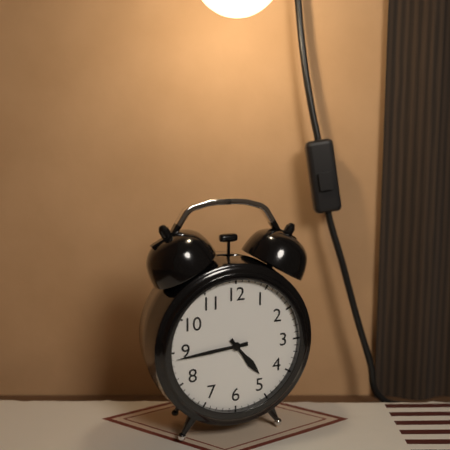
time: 4:44
